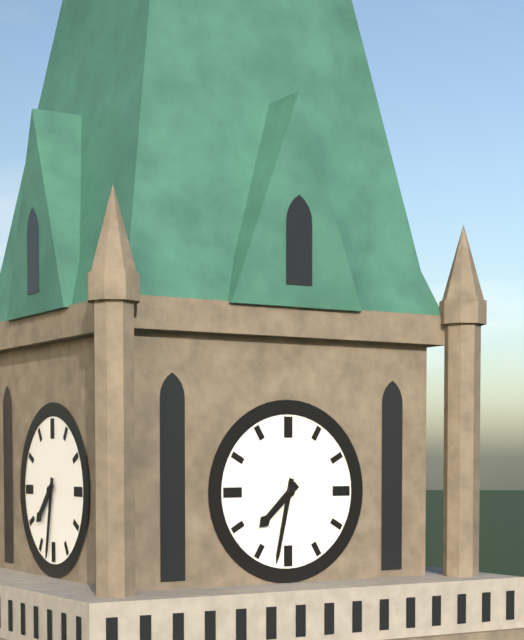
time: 7:32
